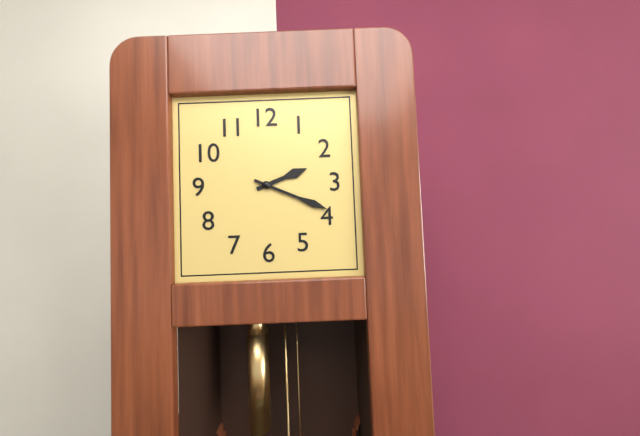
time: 2:19
